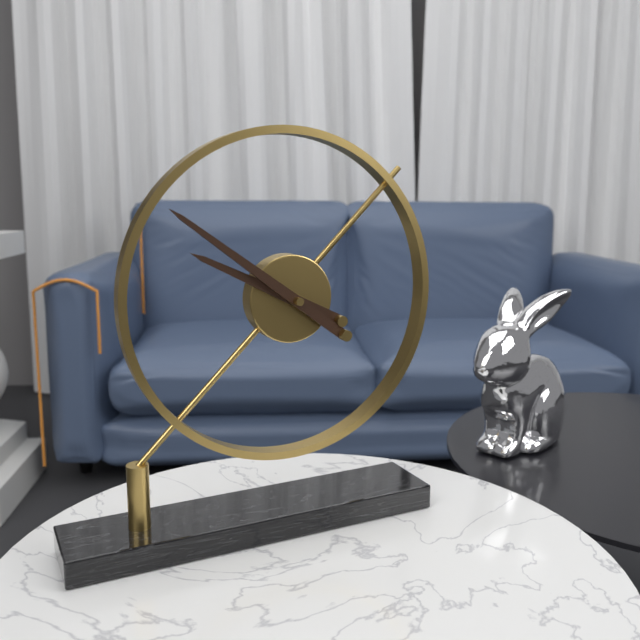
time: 9:51
